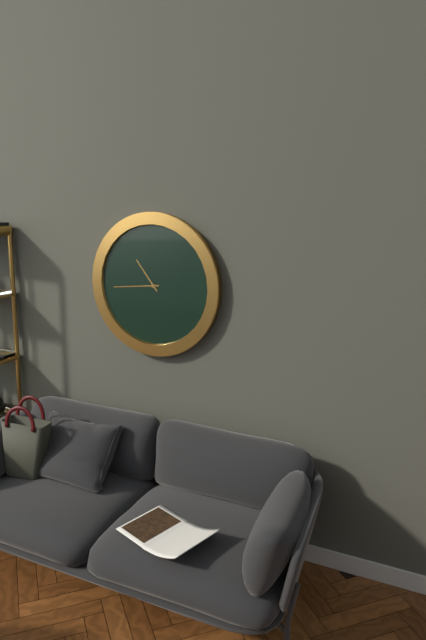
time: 10:44
